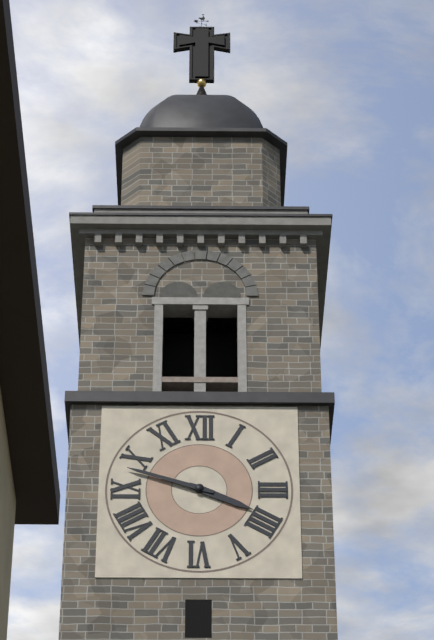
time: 3:48
